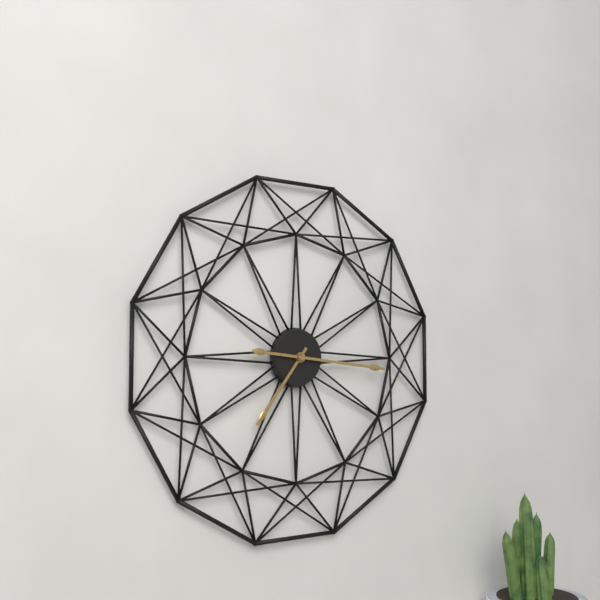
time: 7:16
